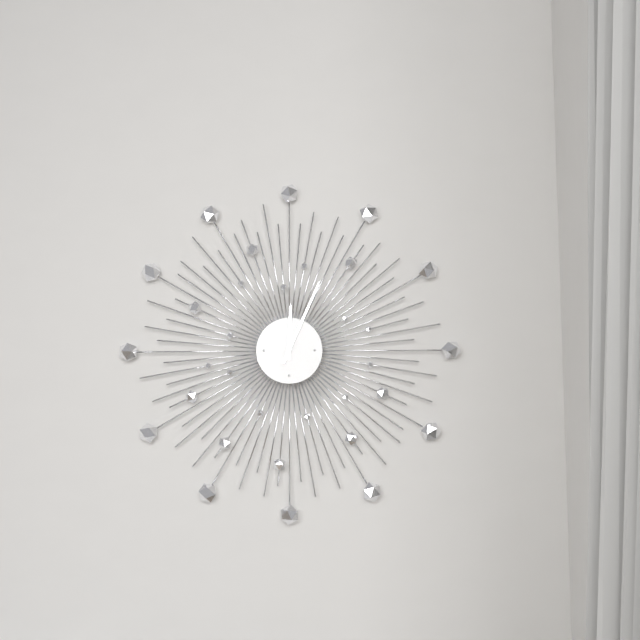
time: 12:04
